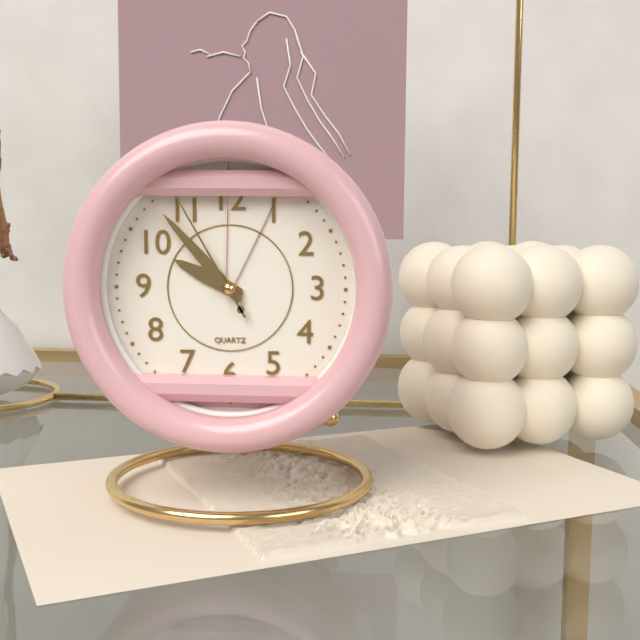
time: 9:53:55
